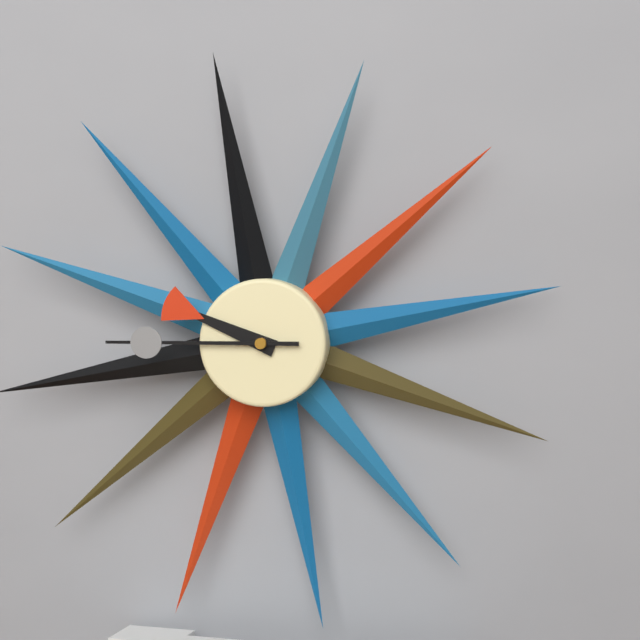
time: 9:45
